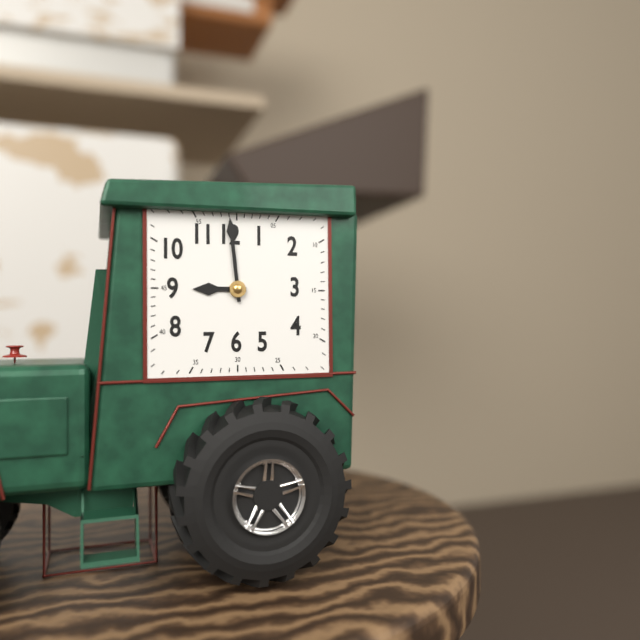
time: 8:59
